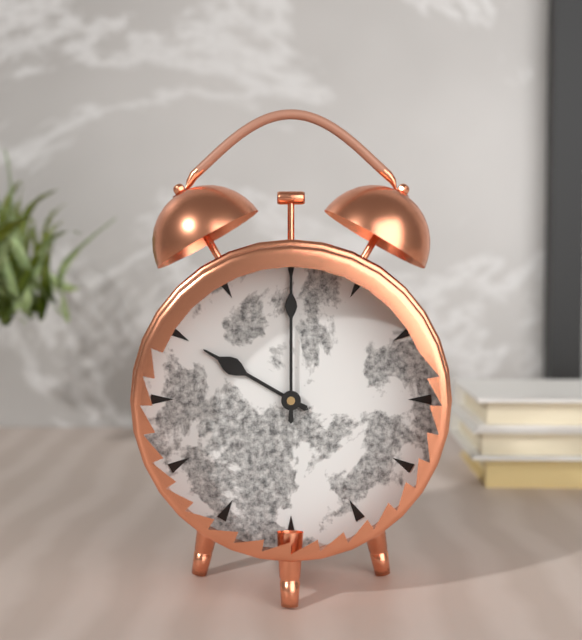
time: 10:00
